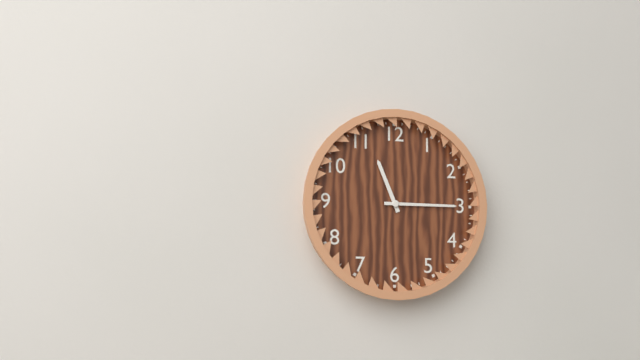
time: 11:15
